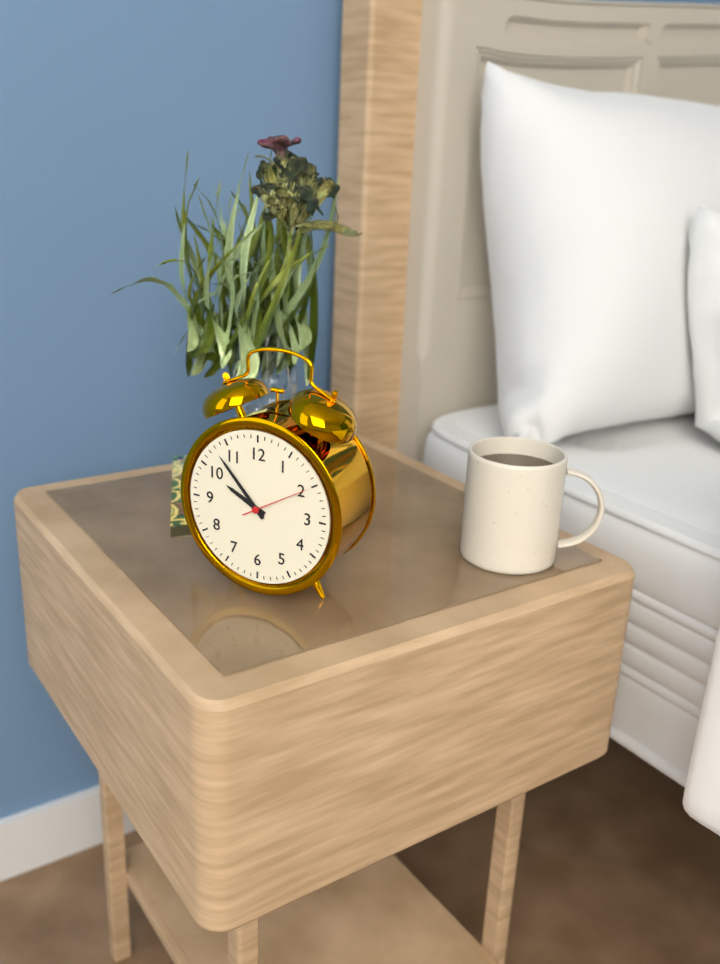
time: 9:53:10
